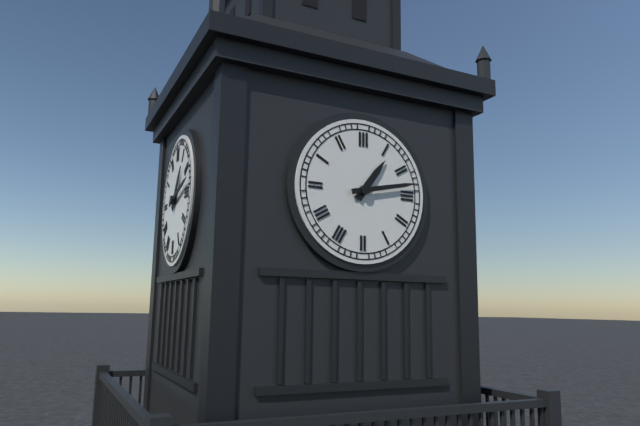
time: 1:13
